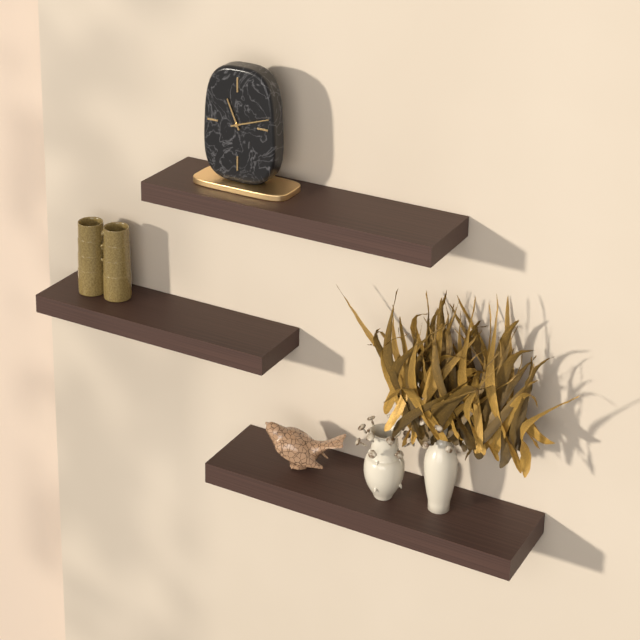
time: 11:12
